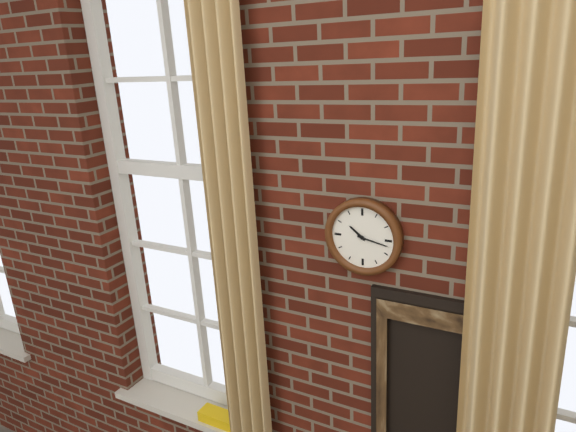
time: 10:17
